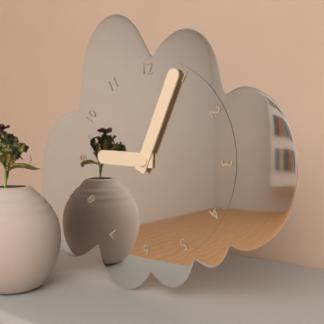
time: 9:04
